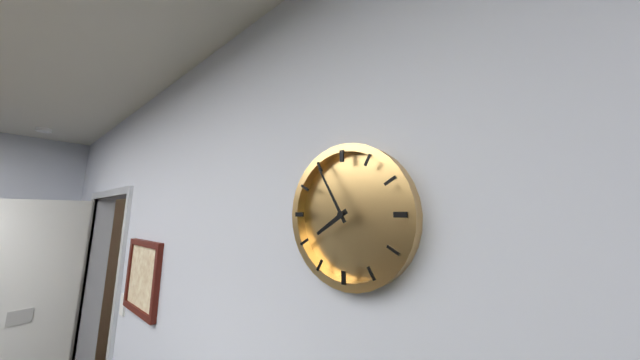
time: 7:55
